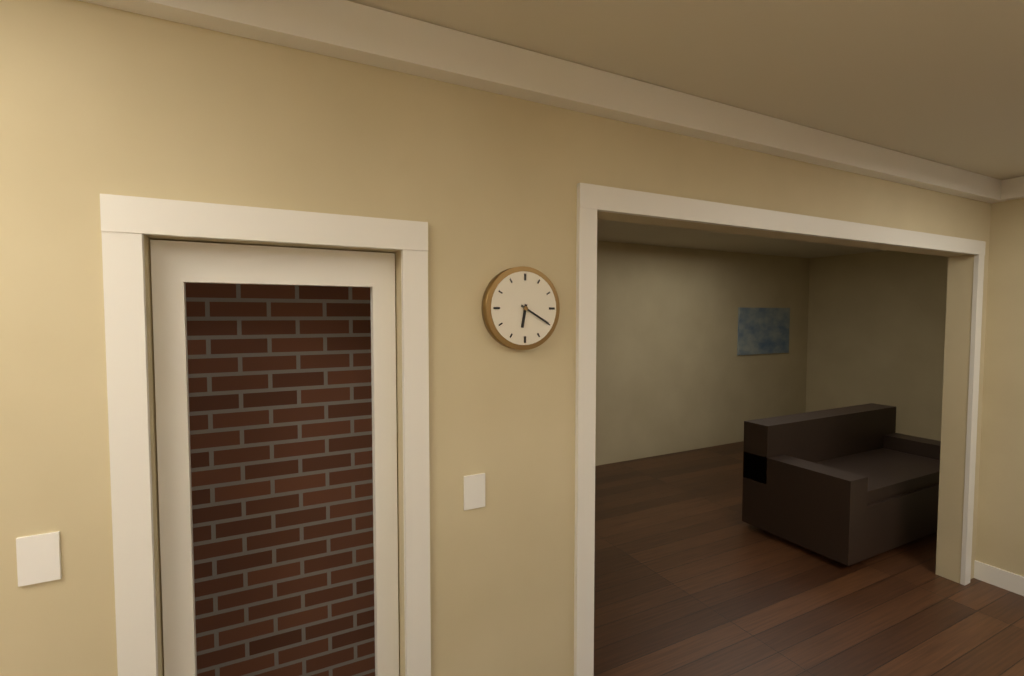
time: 6:20
